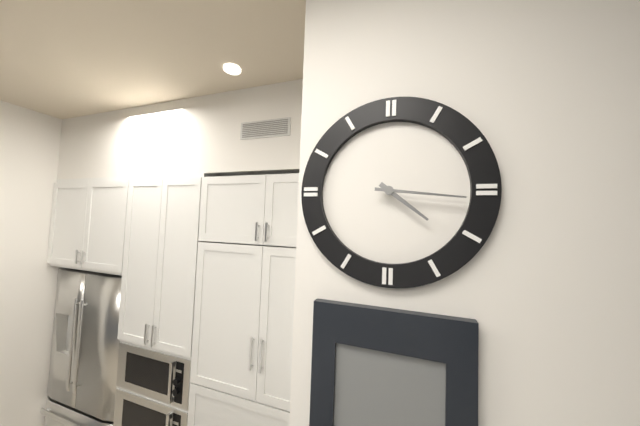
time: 4:16
